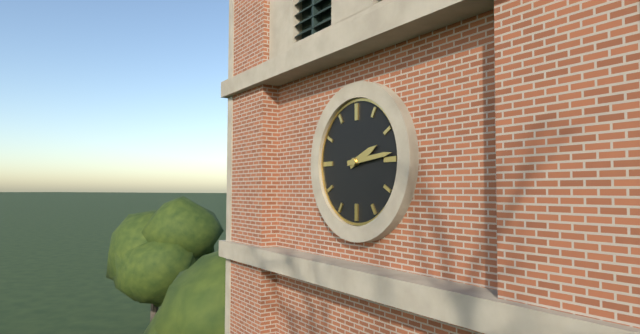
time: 2:14
